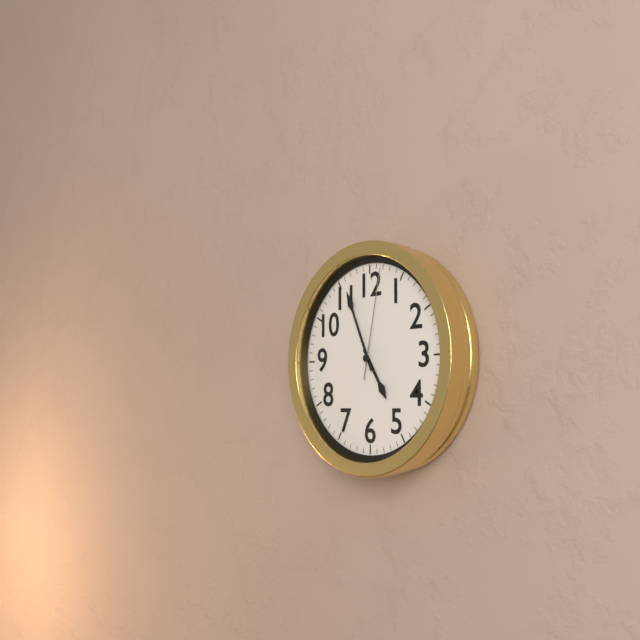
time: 4:56:02
